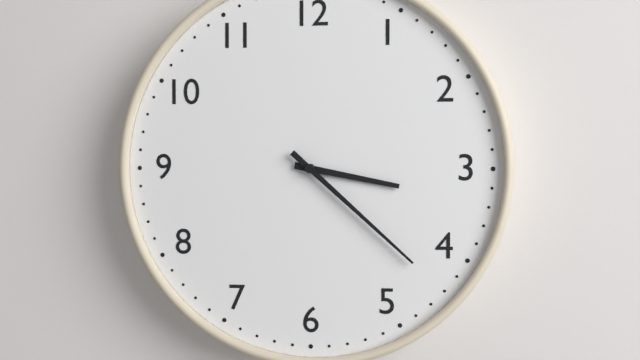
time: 3:22
